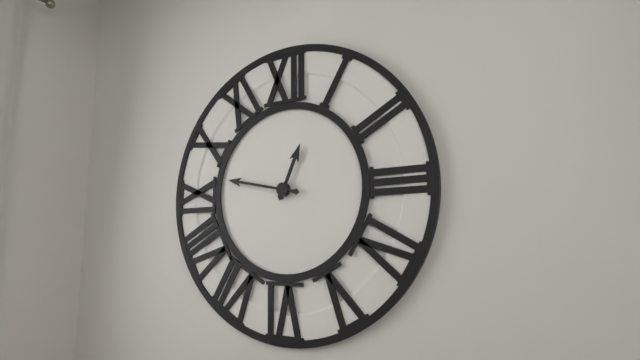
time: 12:47
